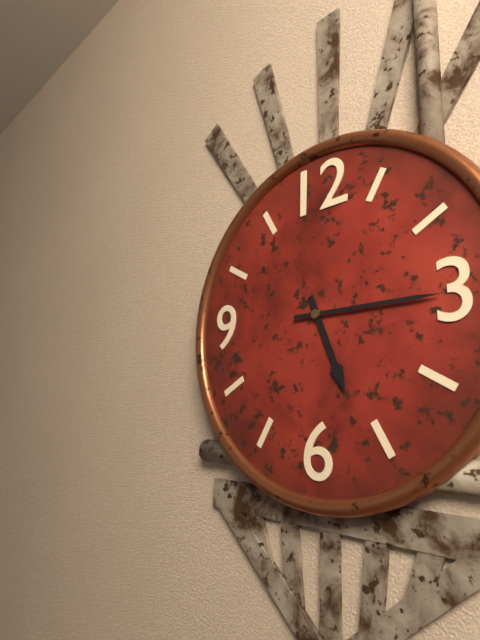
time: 5:15
